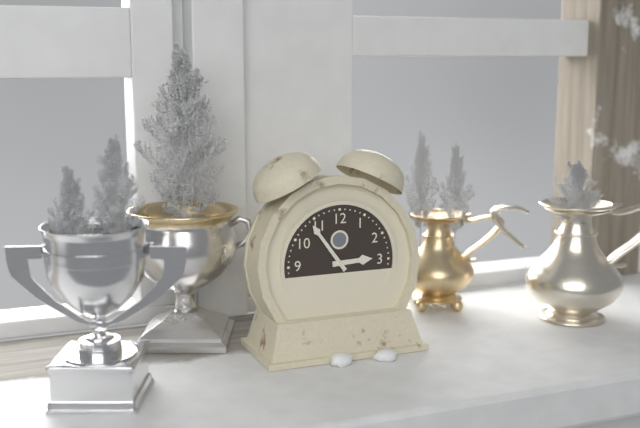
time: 2:54
